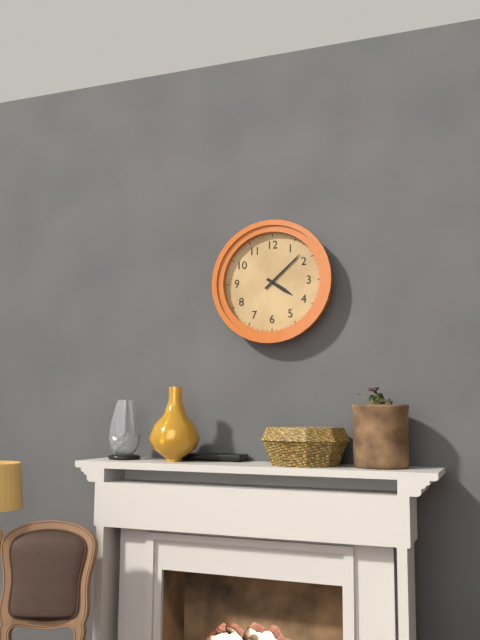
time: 4:08
